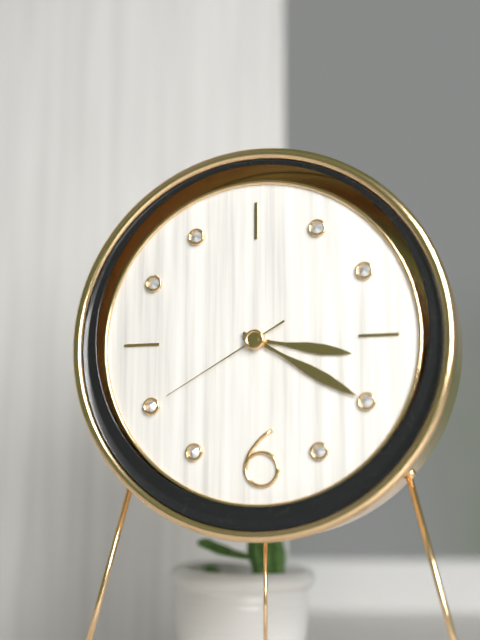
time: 3:20:40
